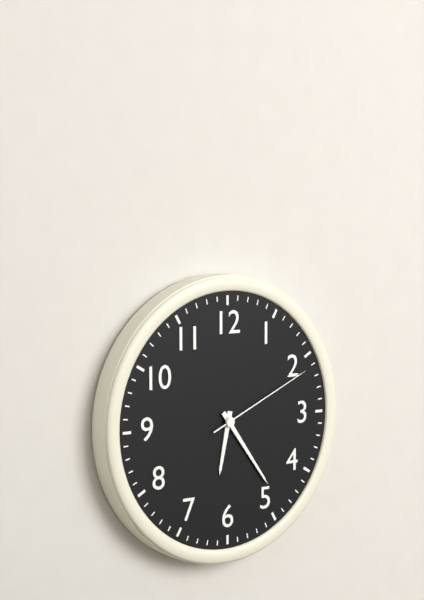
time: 6:24:11
